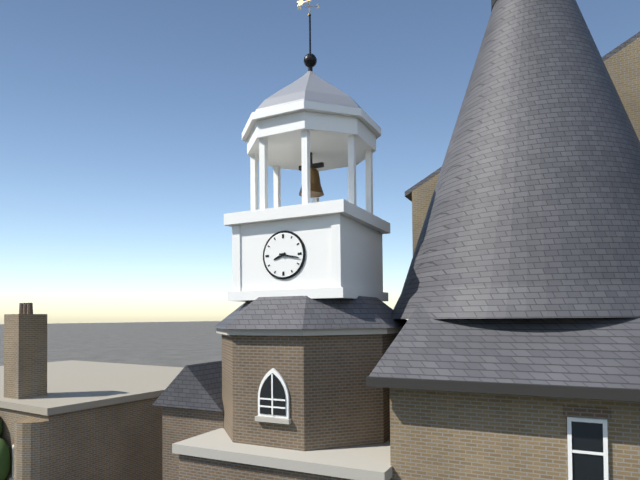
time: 8:17
